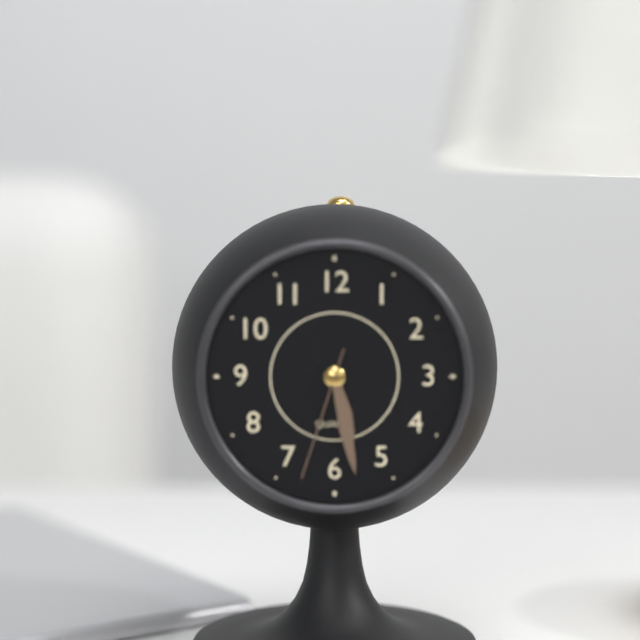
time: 5:28:33
